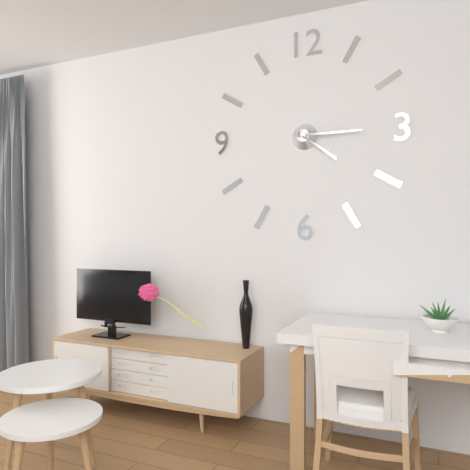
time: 4:15
